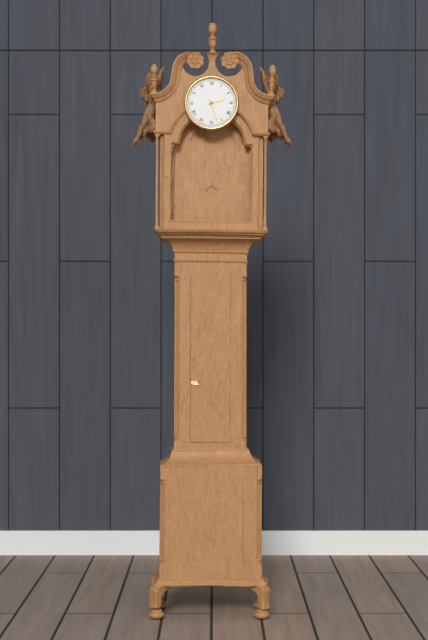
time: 2:27
